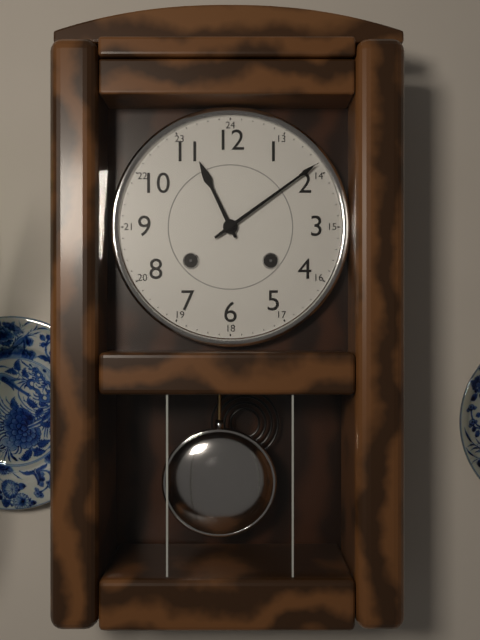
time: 11:09
